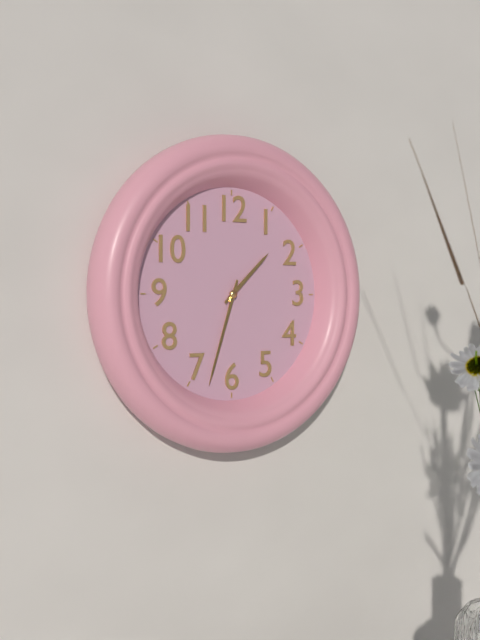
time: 1:33
